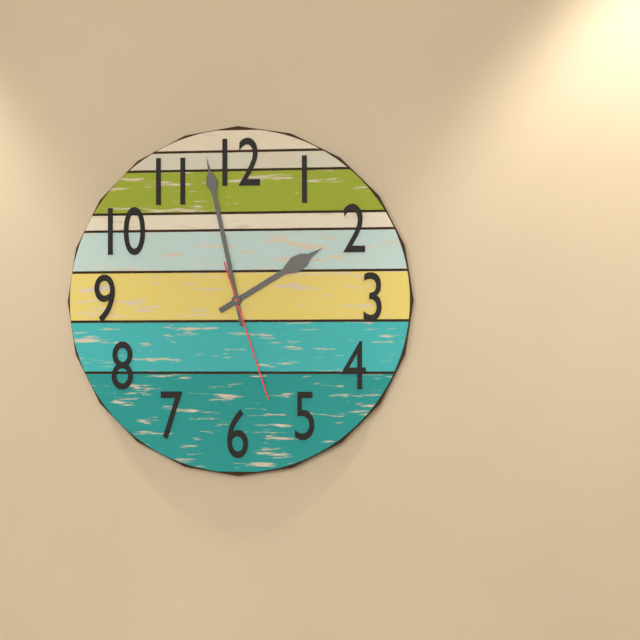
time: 1:58:27
